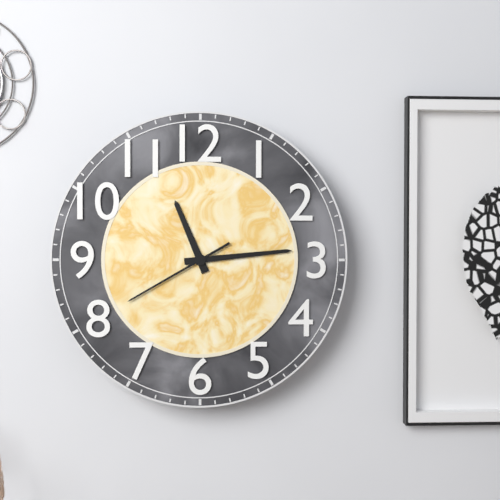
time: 11:14:40
